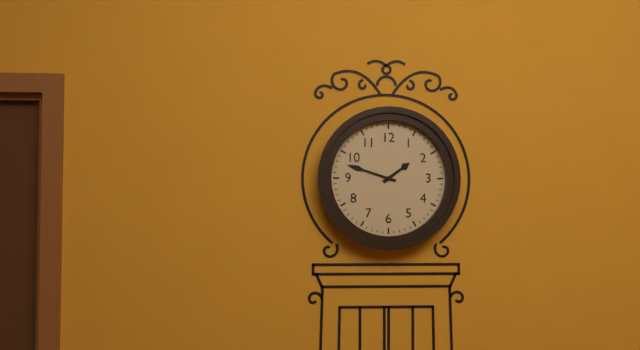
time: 1:48
